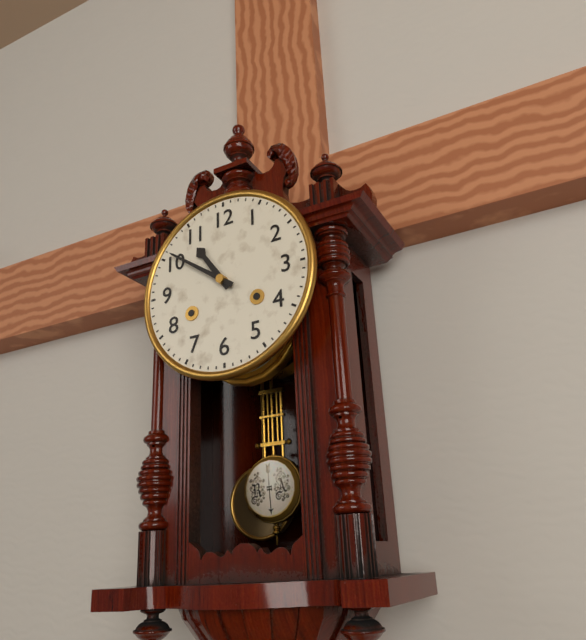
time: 10:51
